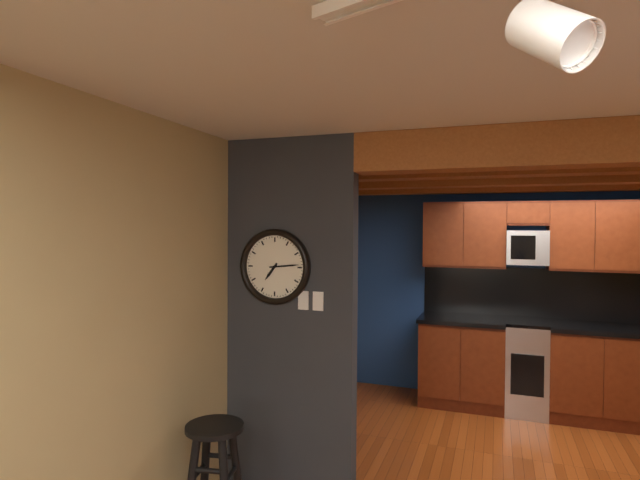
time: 7:14
